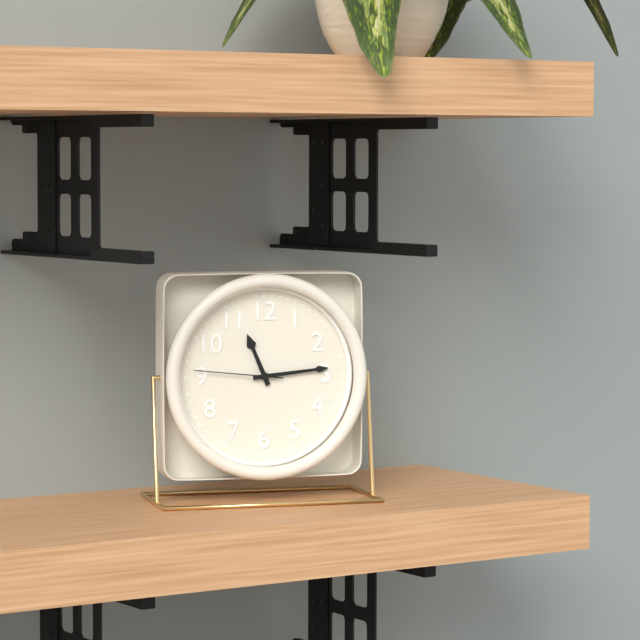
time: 11:14:46
